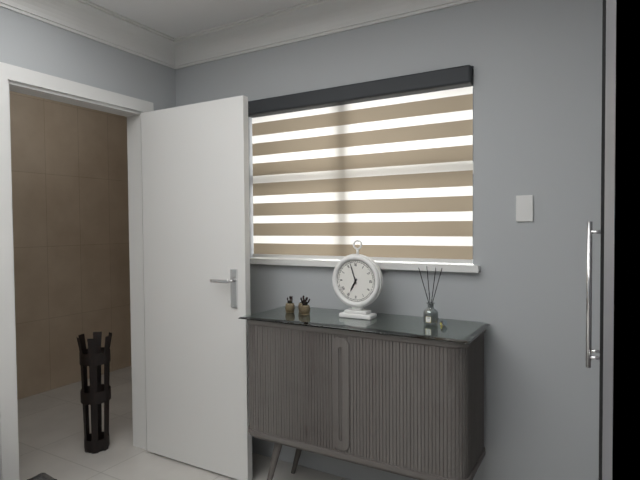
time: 6:57
